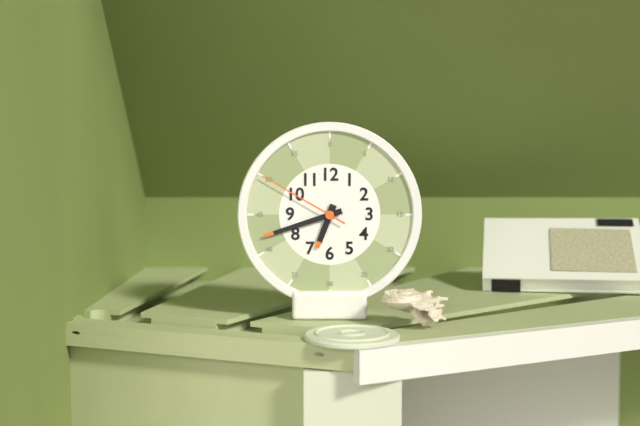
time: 6:42:50
